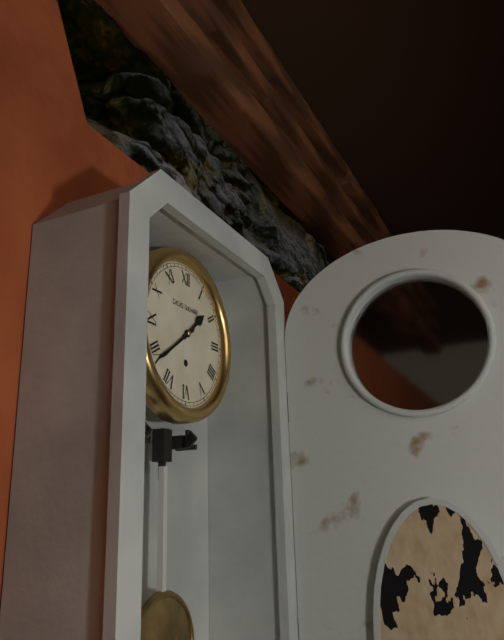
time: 1:39
